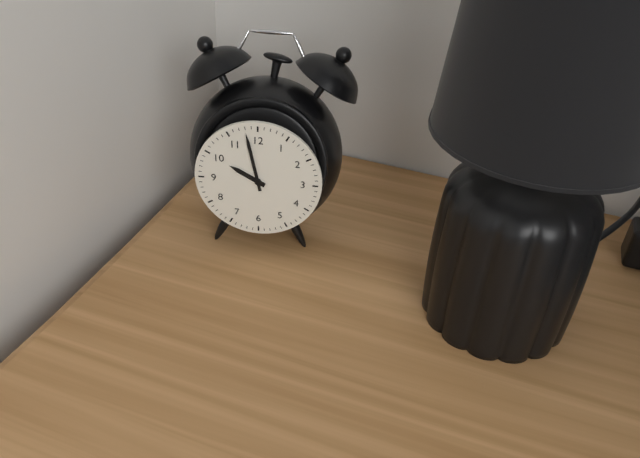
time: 9:58
